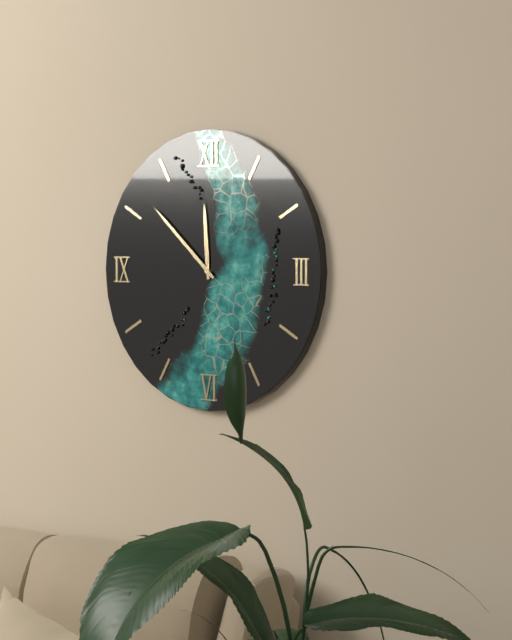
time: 11:52
